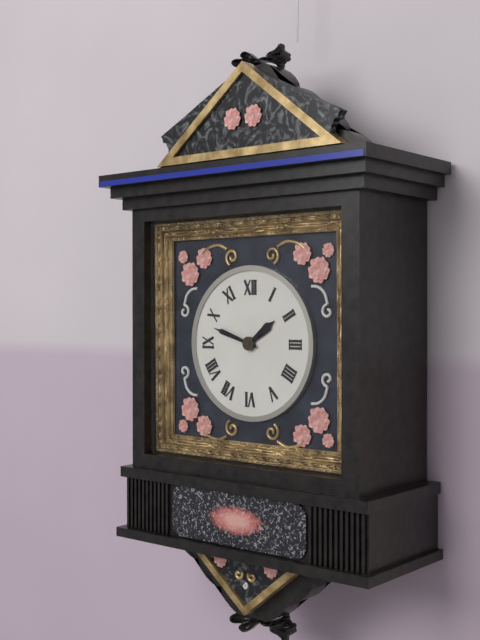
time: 1:48
